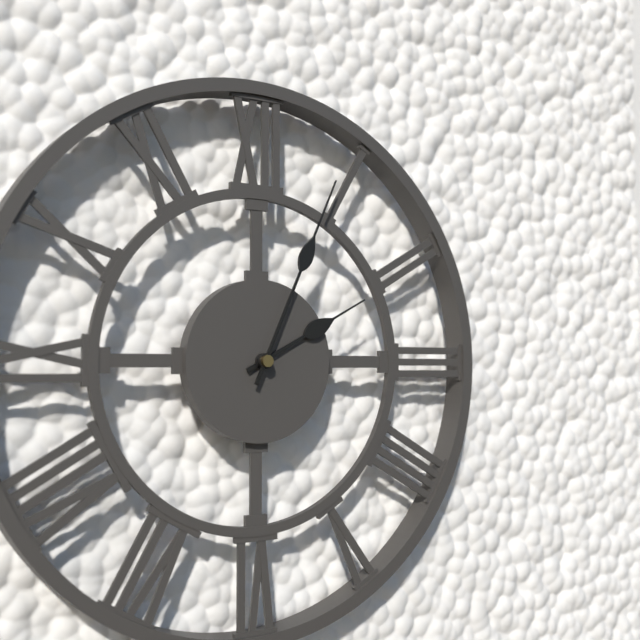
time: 2:04
